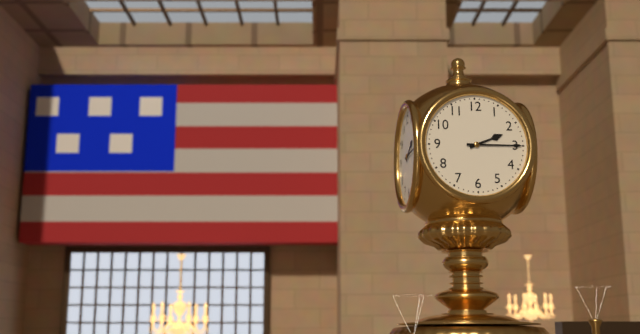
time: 2:15
